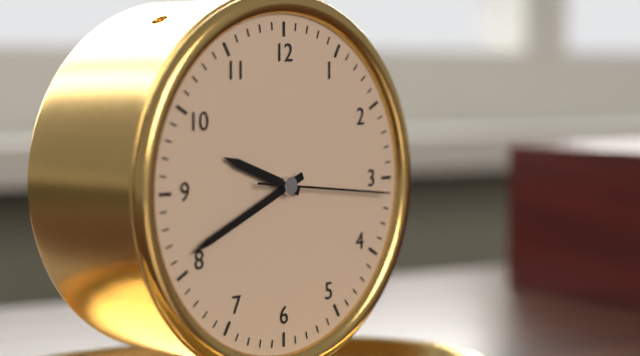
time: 9:41:16
